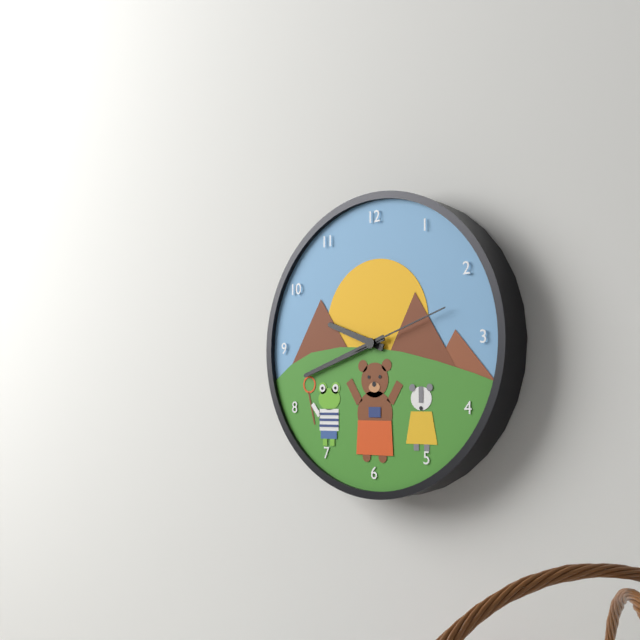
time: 9:42:12
